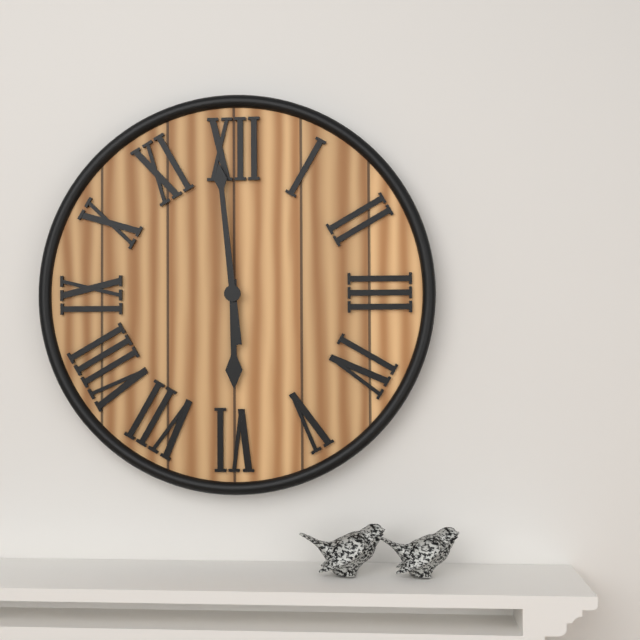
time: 5:59
